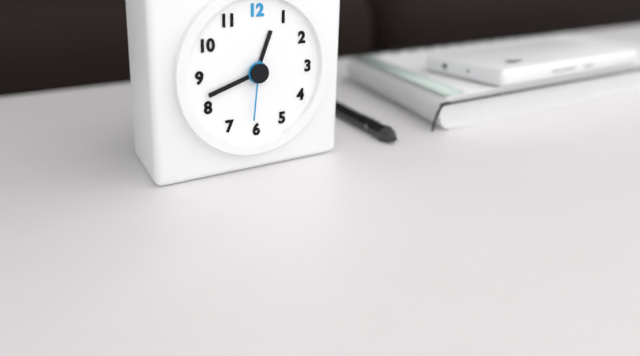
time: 12:42:31
